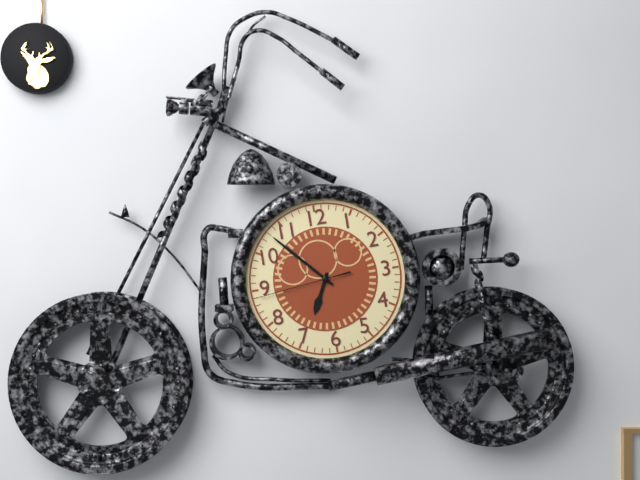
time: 6:53:44
